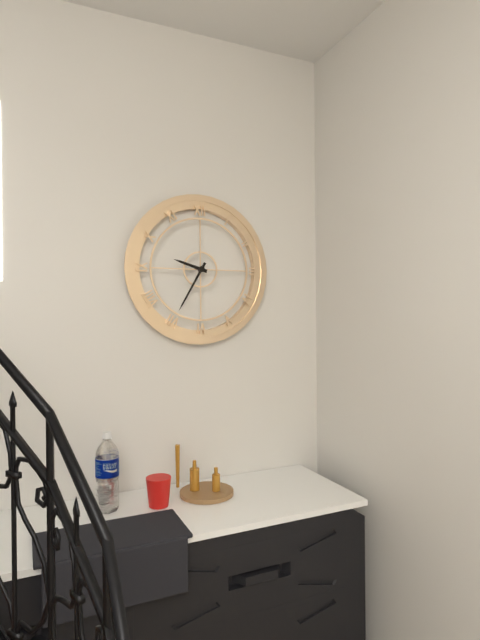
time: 9:35
